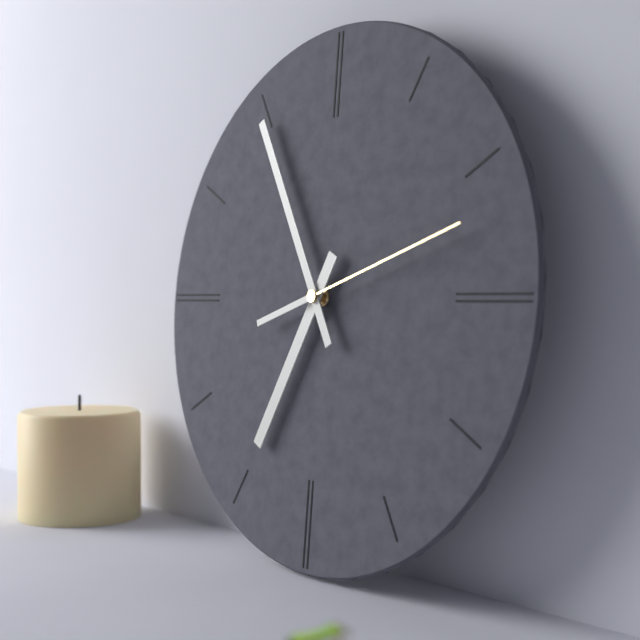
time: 6:55:12
